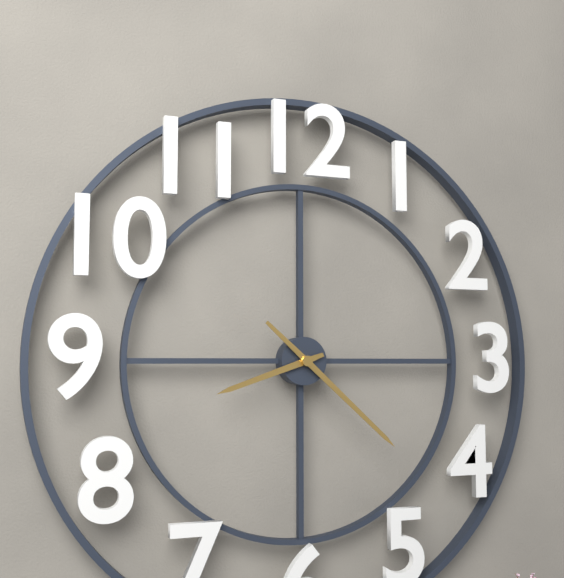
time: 8:22
